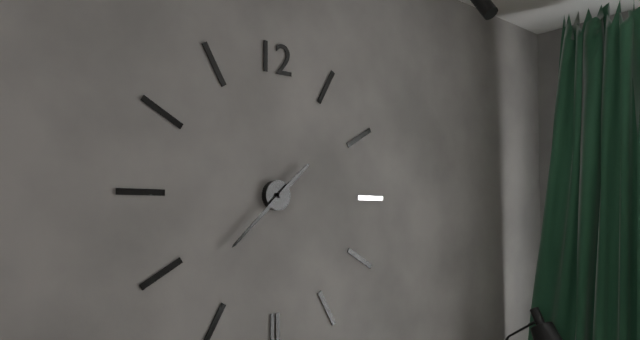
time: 1:38
